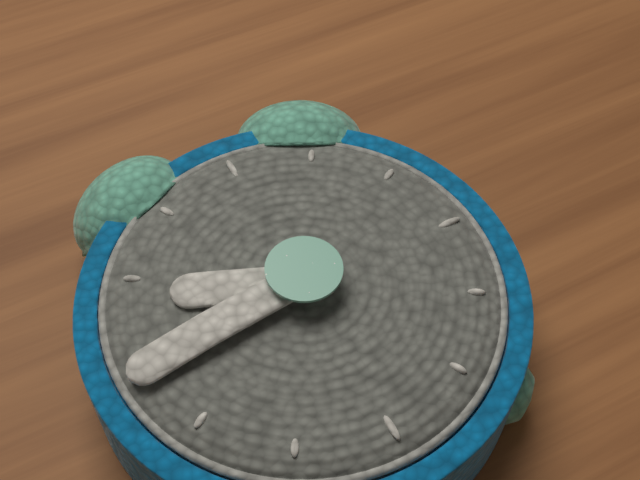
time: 9:44
